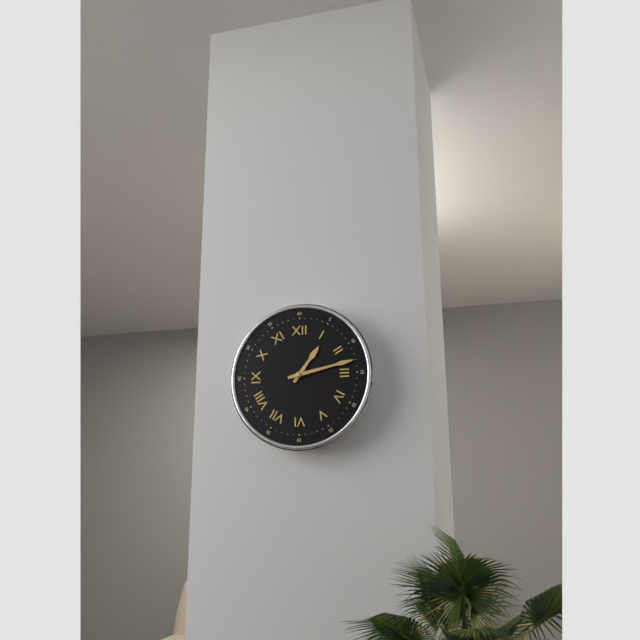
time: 1:13
